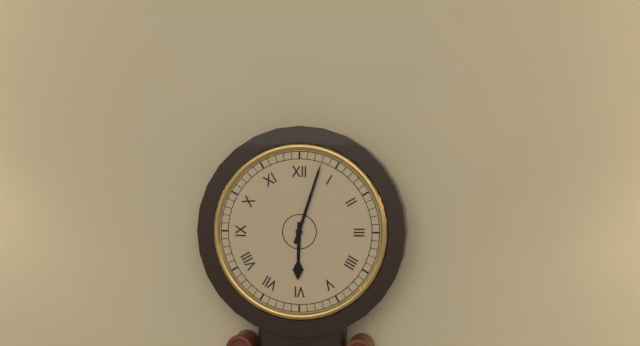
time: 6:03
